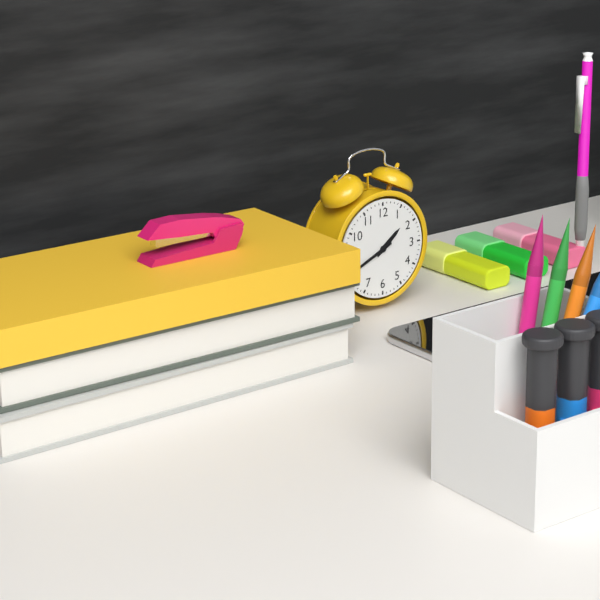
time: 1:41
